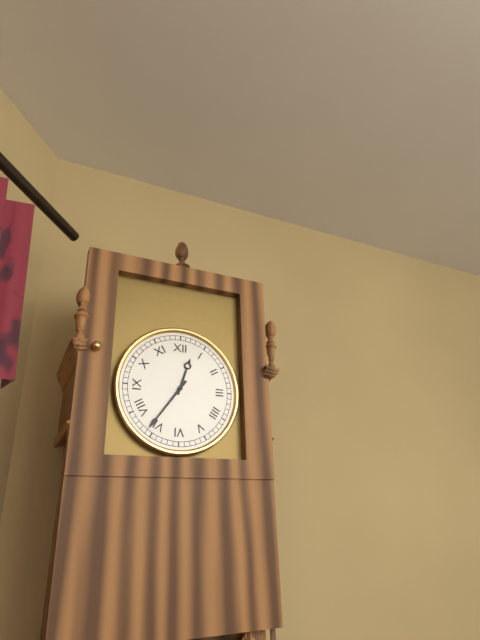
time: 12:36
